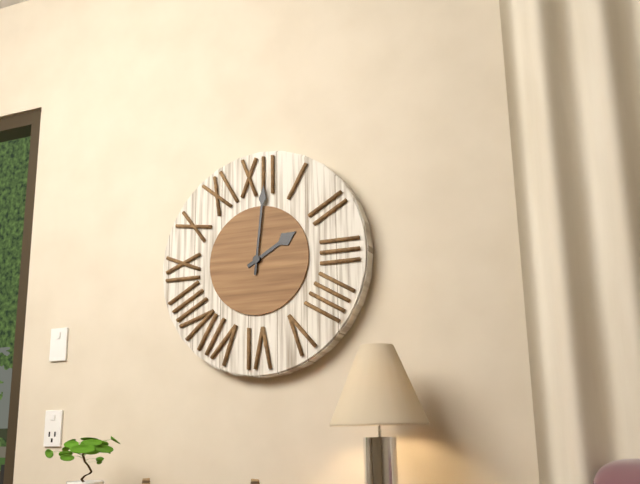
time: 2:01
